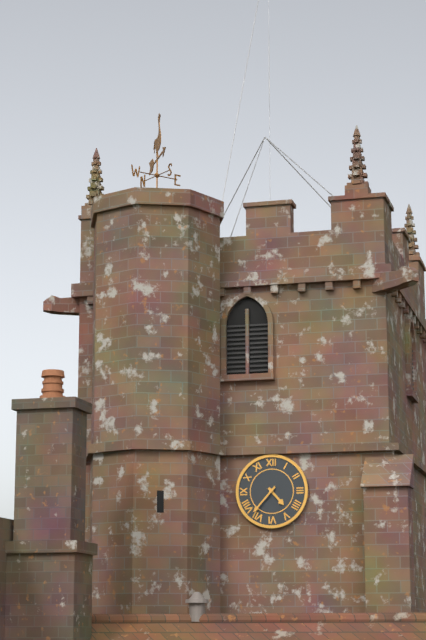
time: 4:37
